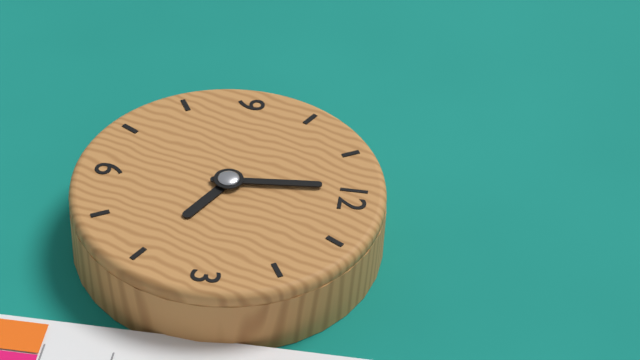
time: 3:59
